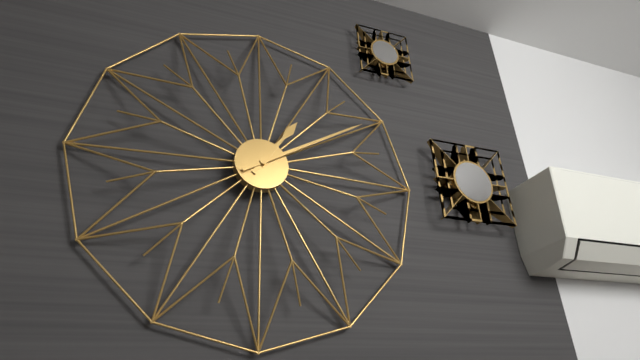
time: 1:10
